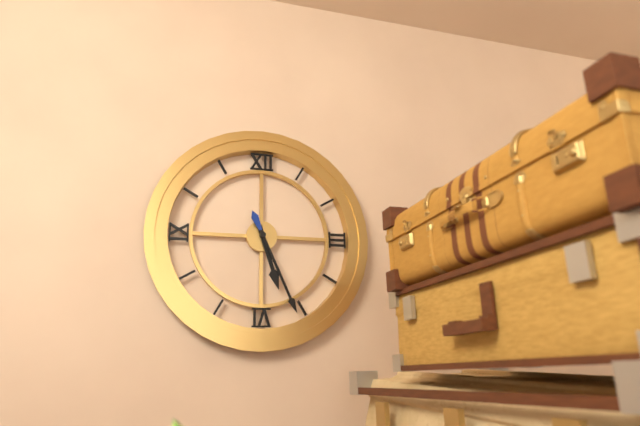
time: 5:26
